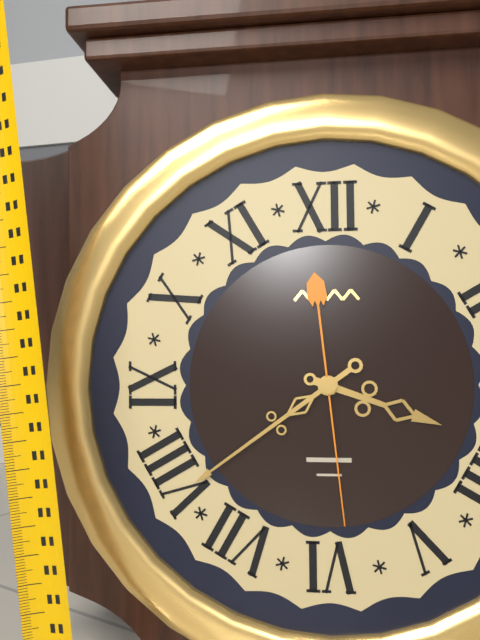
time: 3:39:29
